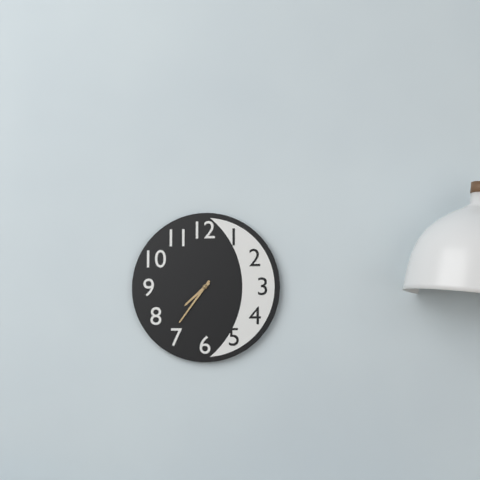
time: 7:36
